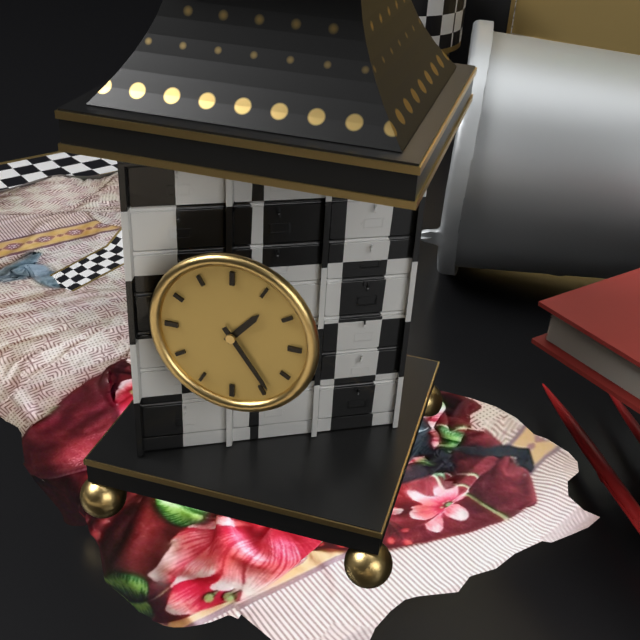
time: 1:24
